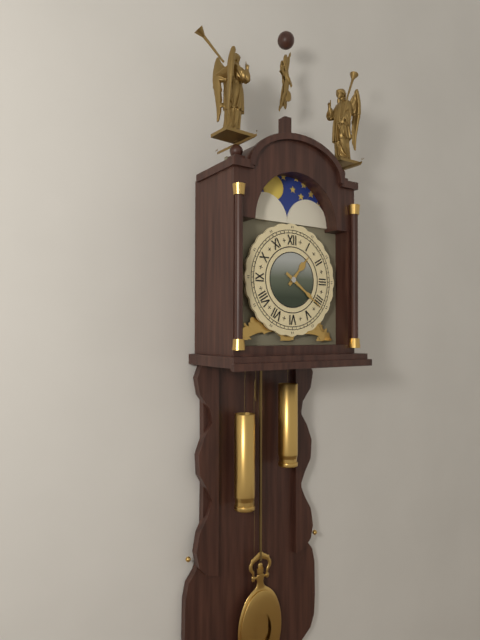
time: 1:21
